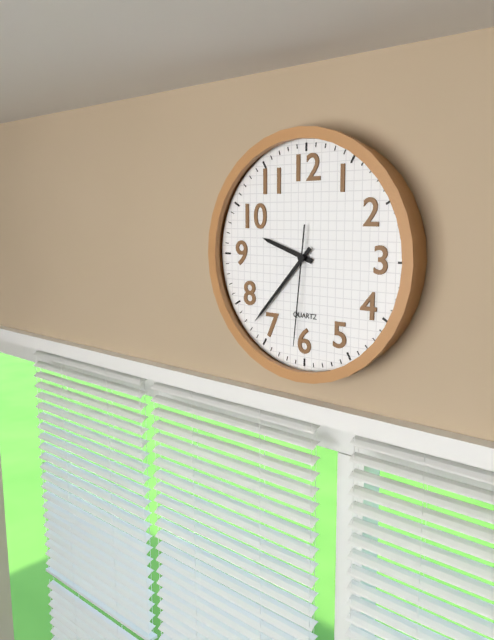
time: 9:37:31
